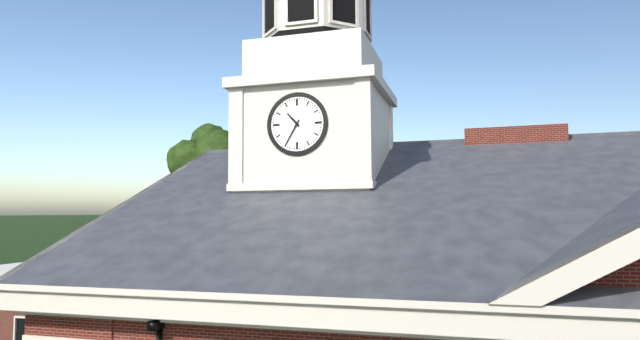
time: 10:35
